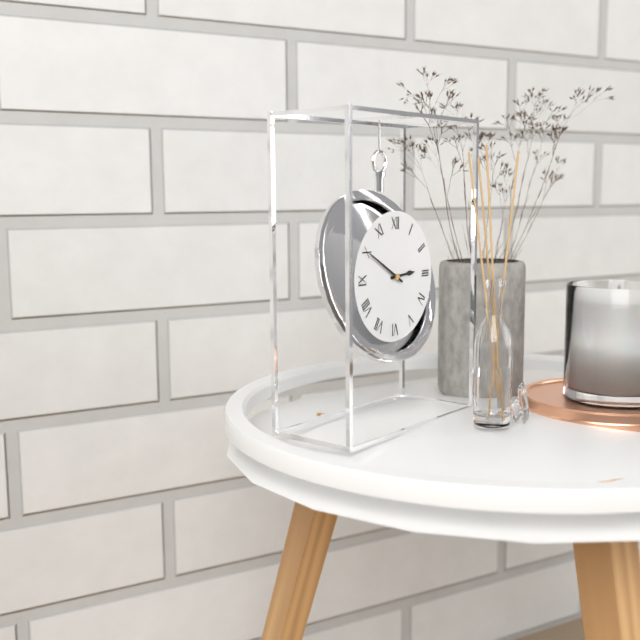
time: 2:50
